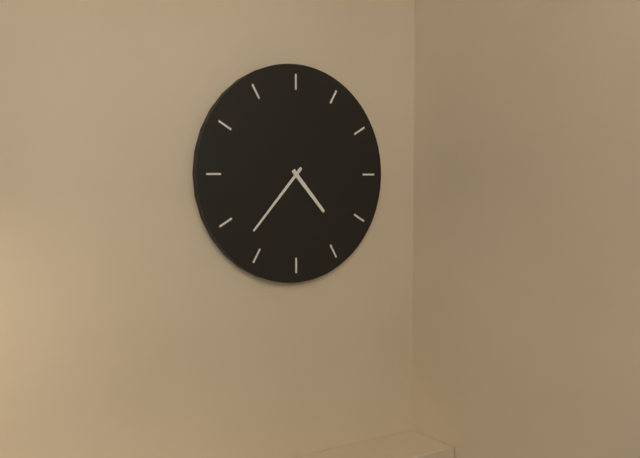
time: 4:37
